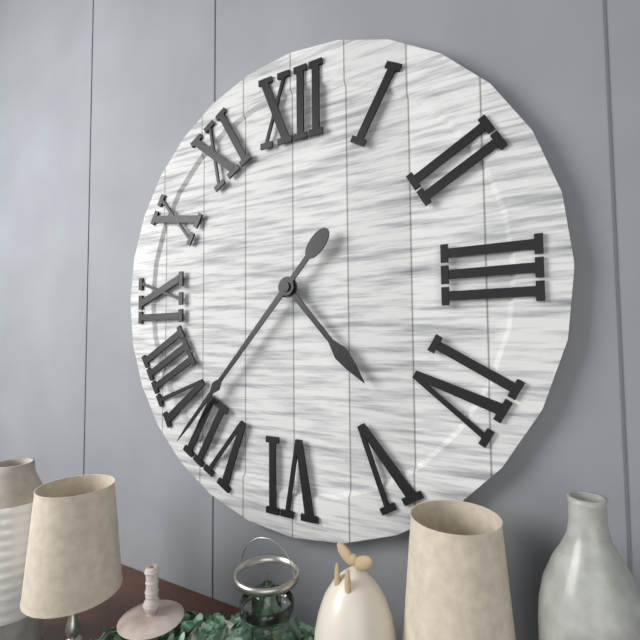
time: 4:37
